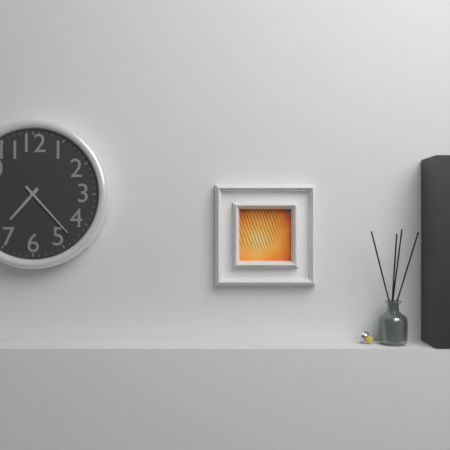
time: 7:23
